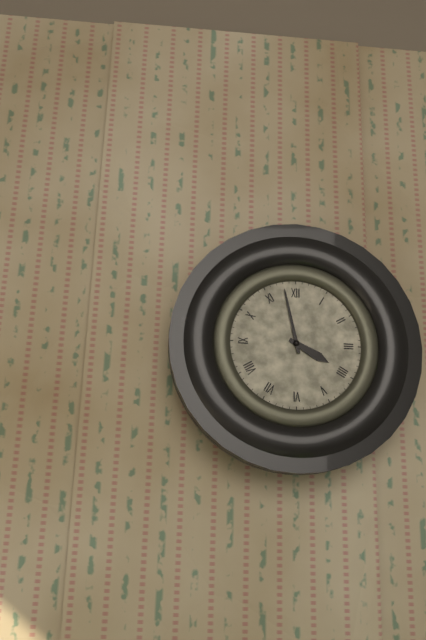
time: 3:58
